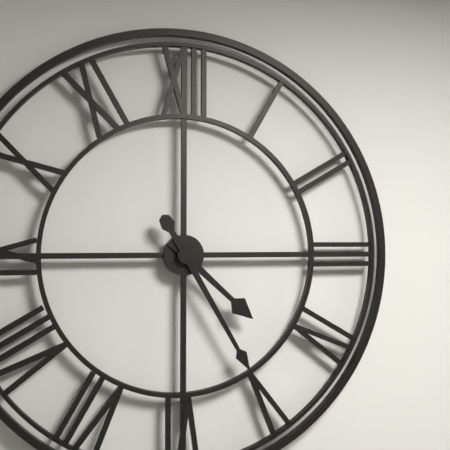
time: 4:25
